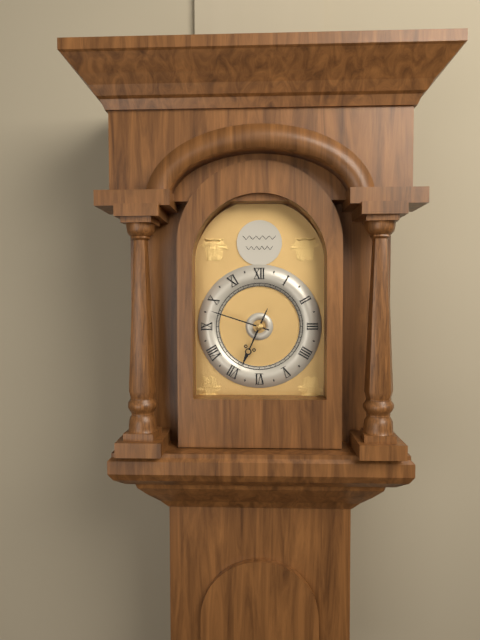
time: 6:48
